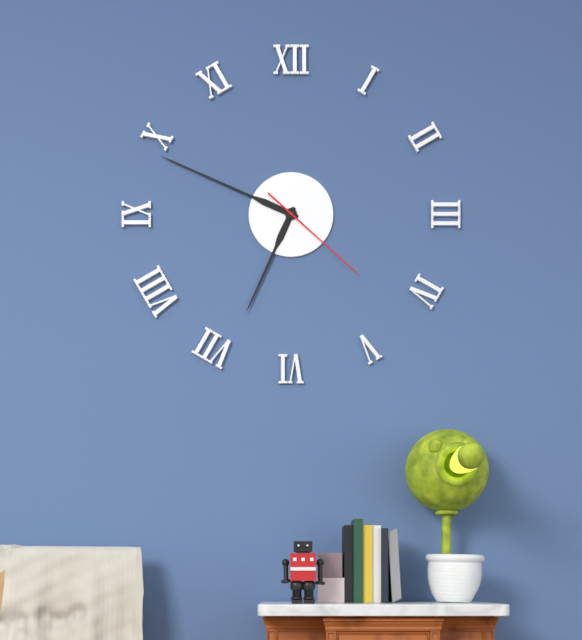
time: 6:49:22
